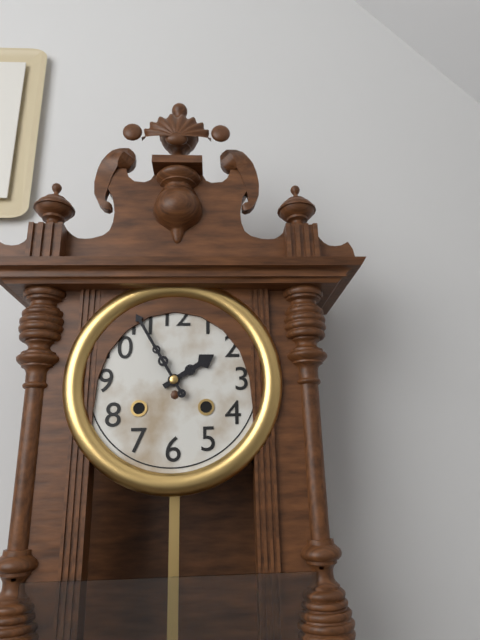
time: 1:55
